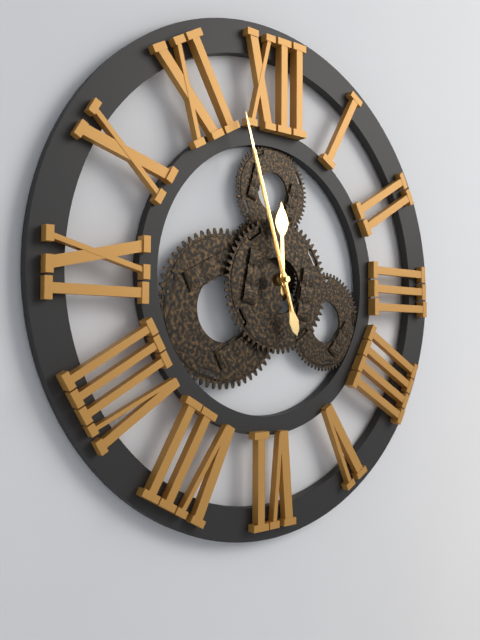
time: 11:57:57
